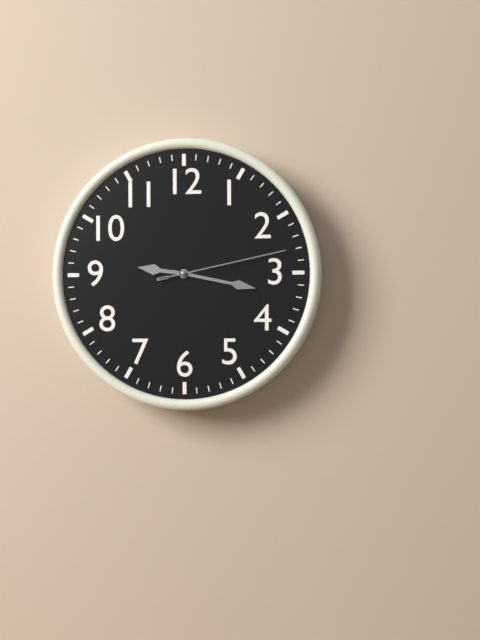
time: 9:17:13
